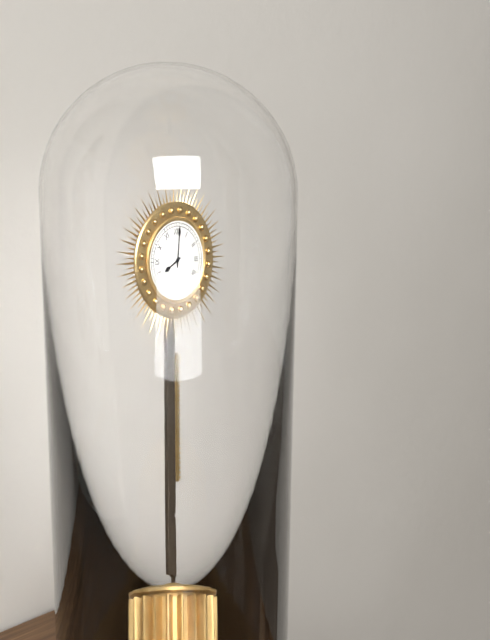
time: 8:01
